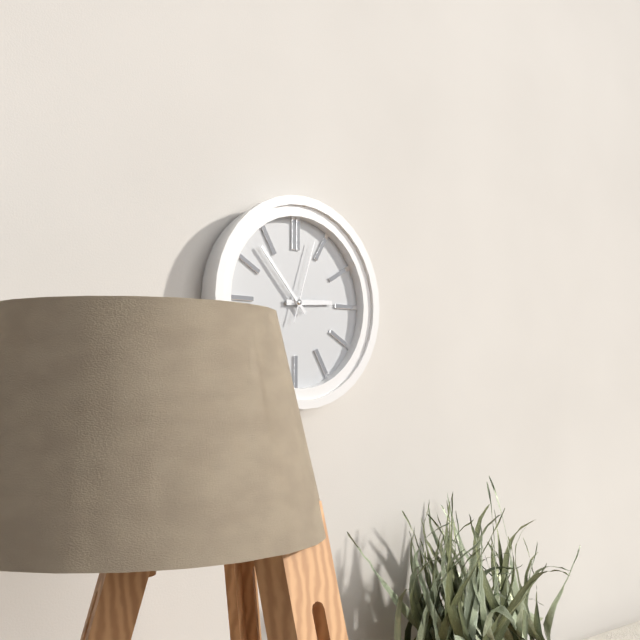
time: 2:53:03
